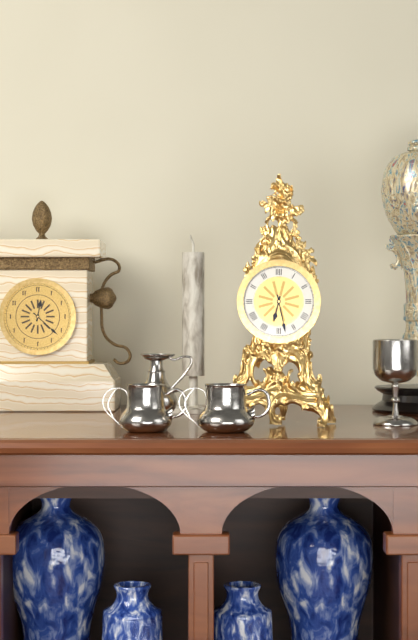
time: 6:28
